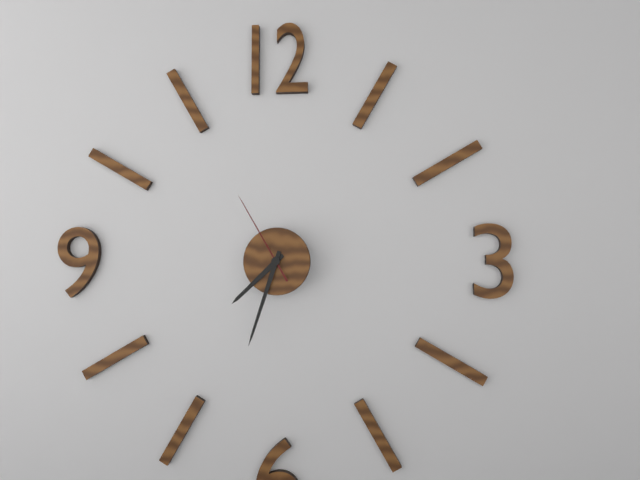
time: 7:33:55
